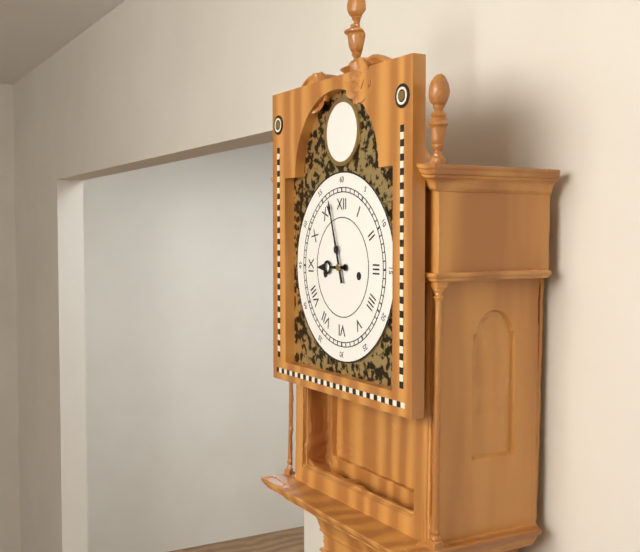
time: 8:57
